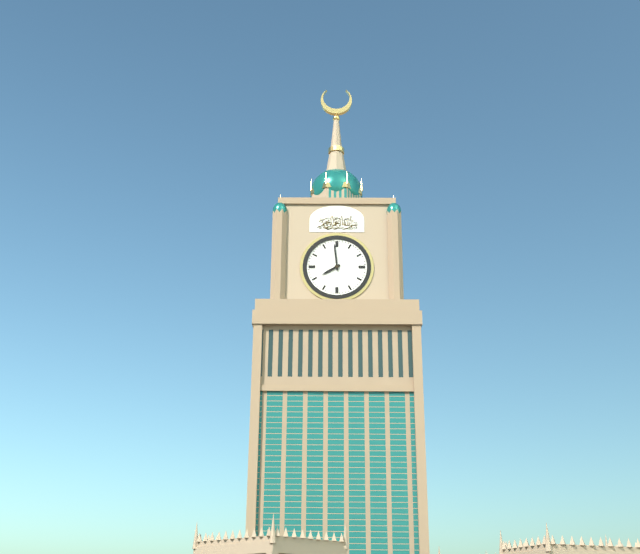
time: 7:59
